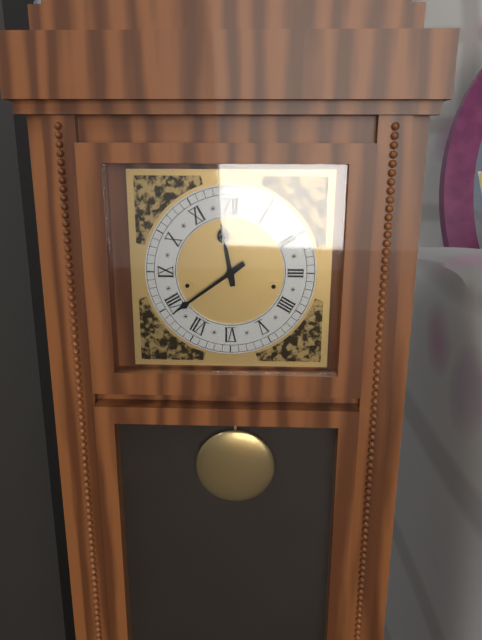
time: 11:39
